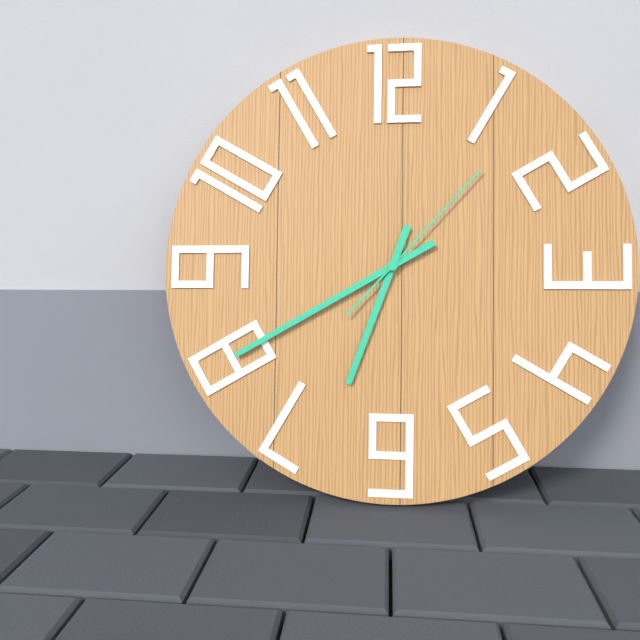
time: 6:40:07
